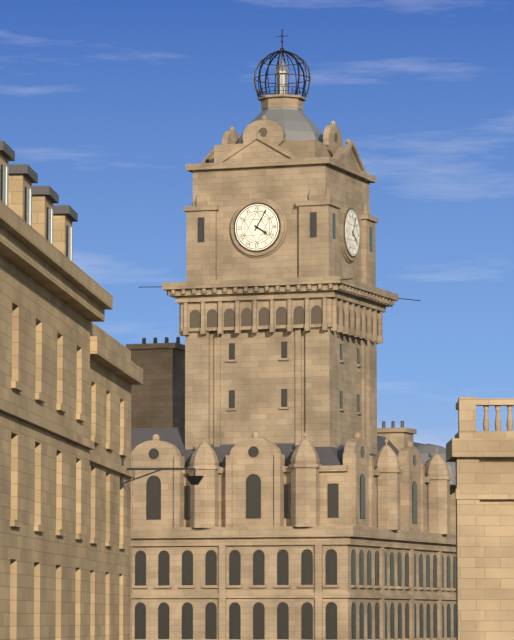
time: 4:05
